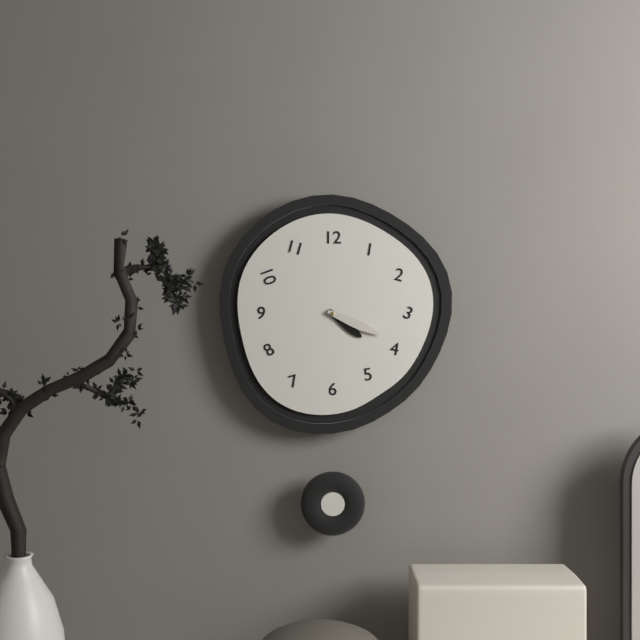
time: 4:19
